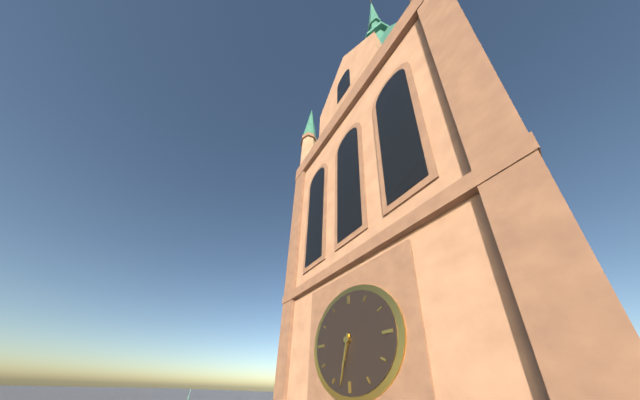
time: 6:32
